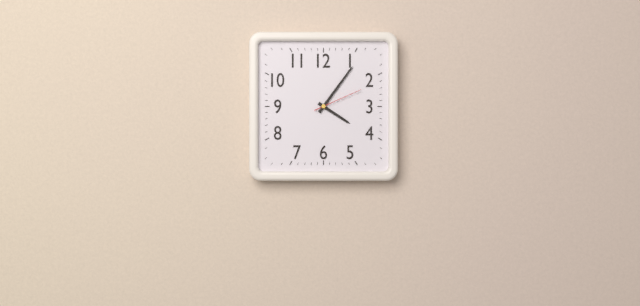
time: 4:06:11
